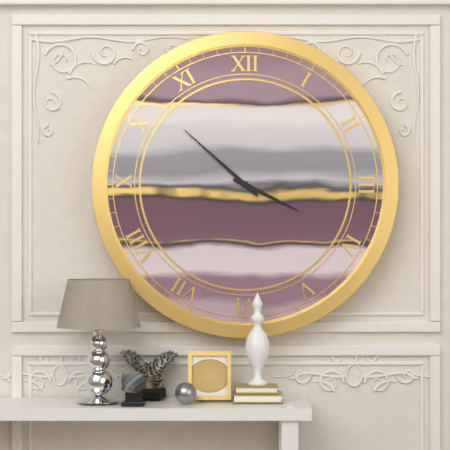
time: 3:52
